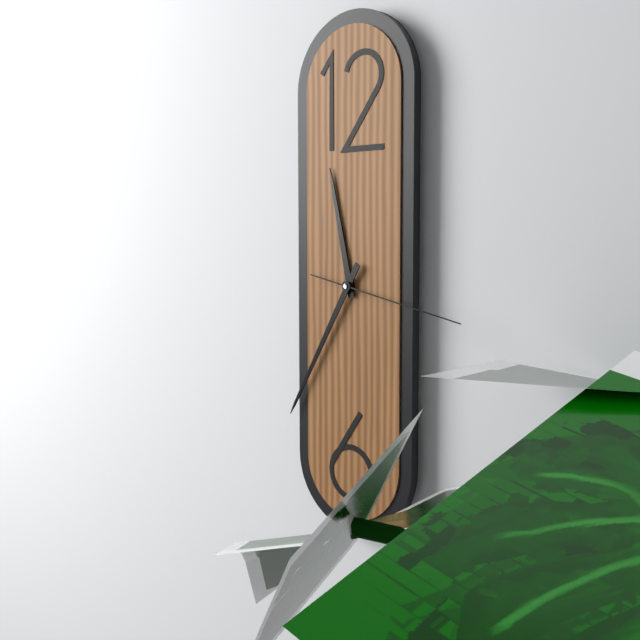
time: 11:35:17
